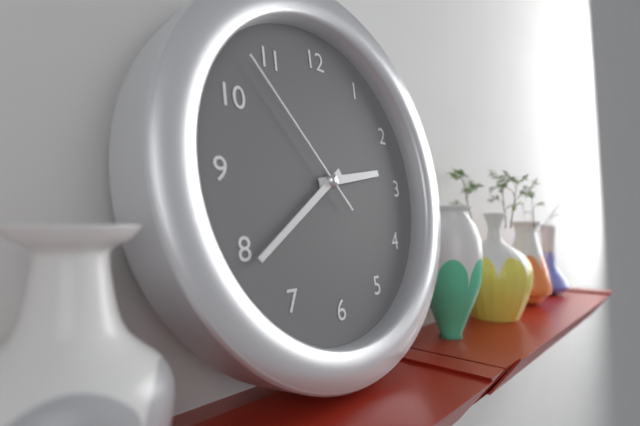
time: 2:39:53
